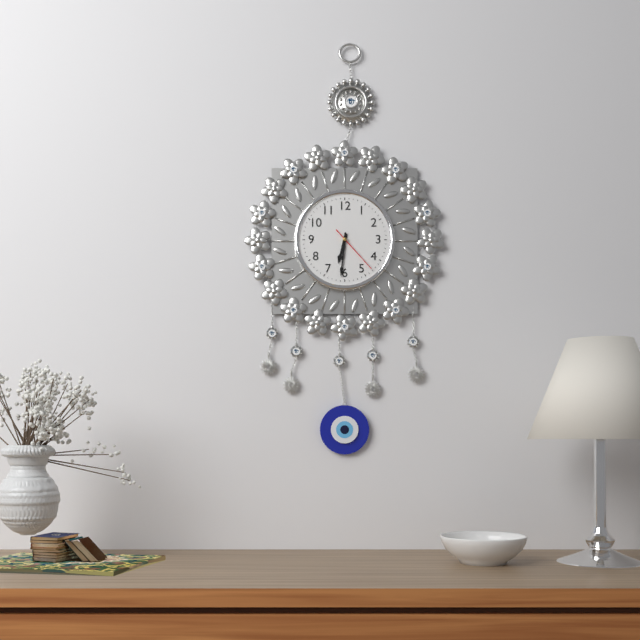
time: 6:31
